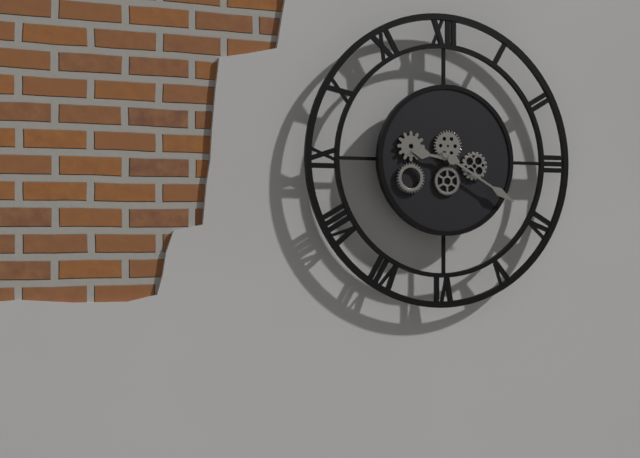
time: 9:20
